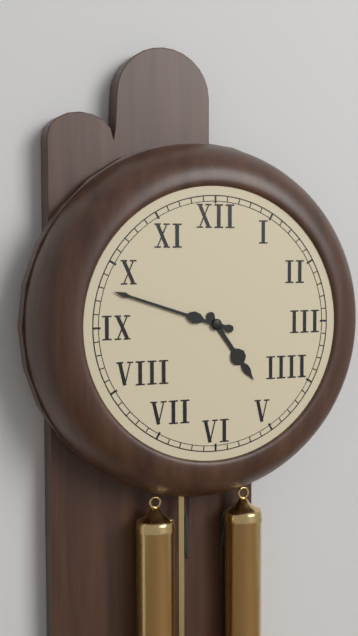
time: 4:48
